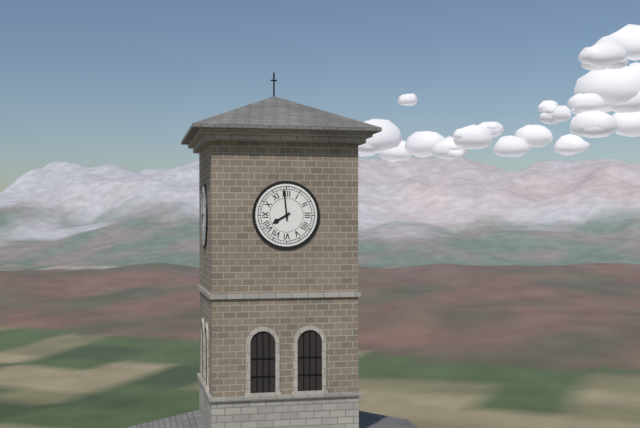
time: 7:59
